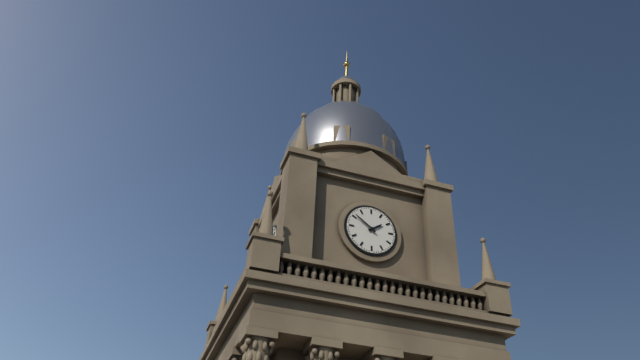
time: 1:51
